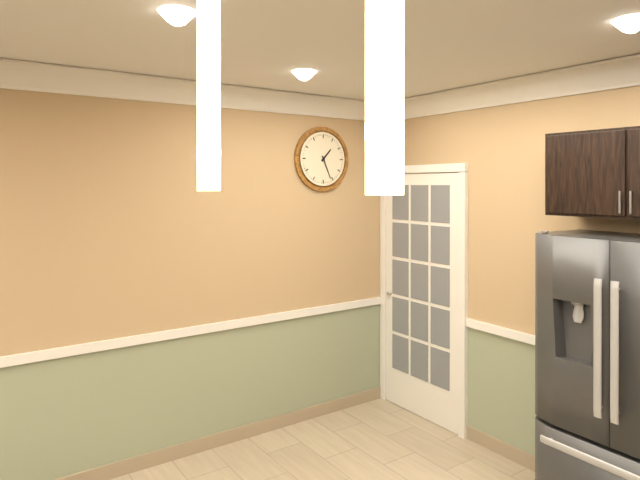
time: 1:26
